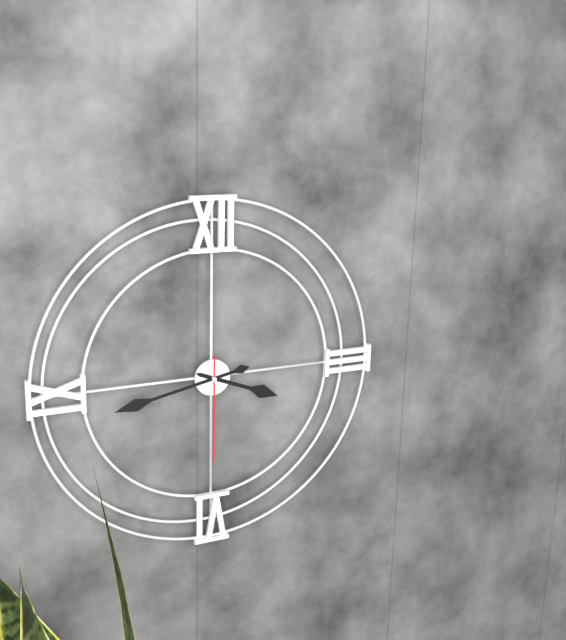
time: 3:43:30
